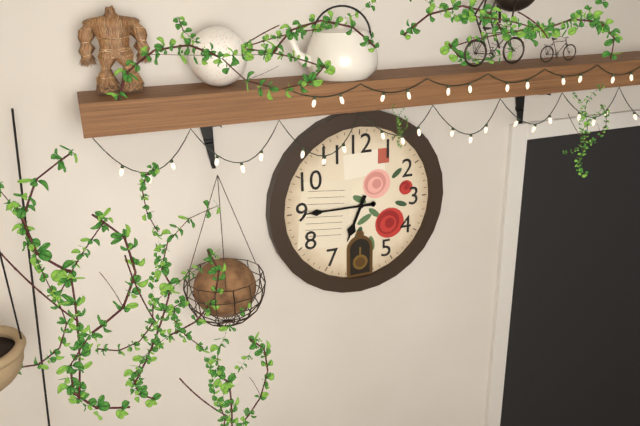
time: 6:45
